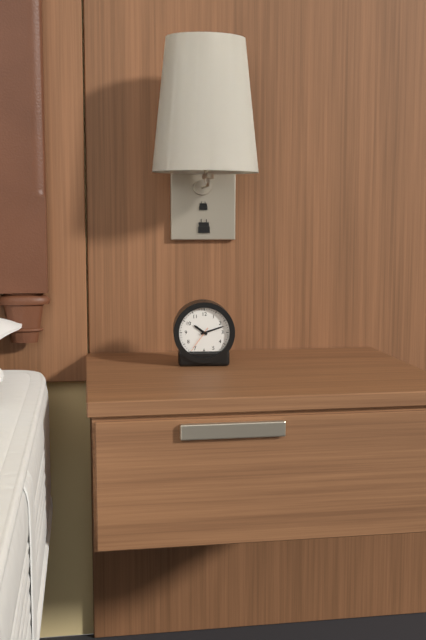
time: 10:12
